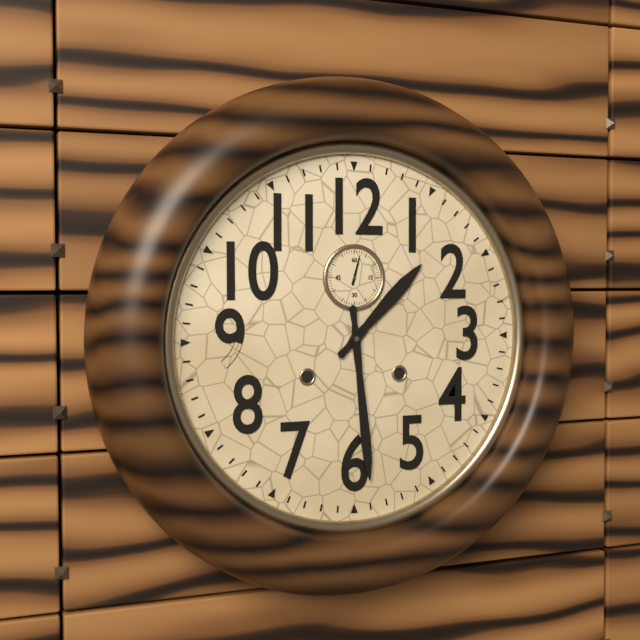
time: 1:29
